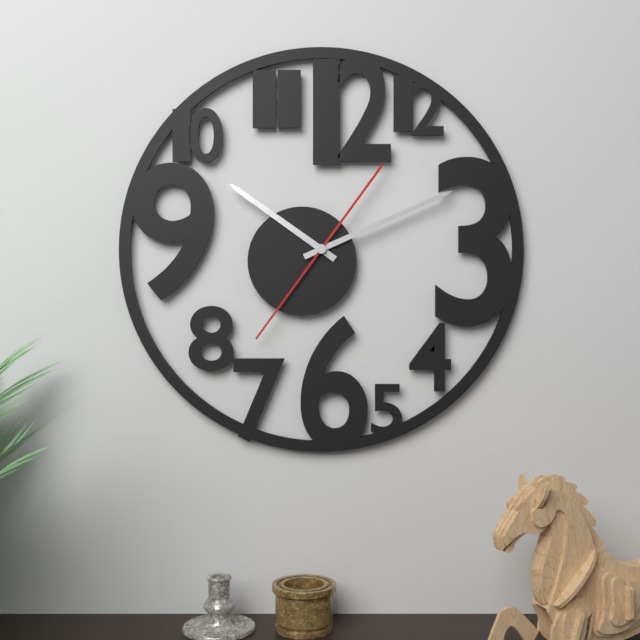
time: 10:11:36
